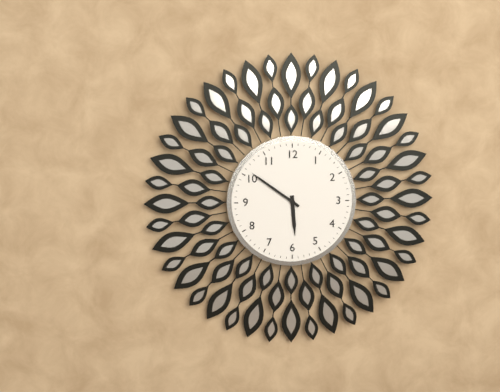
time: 5:51
